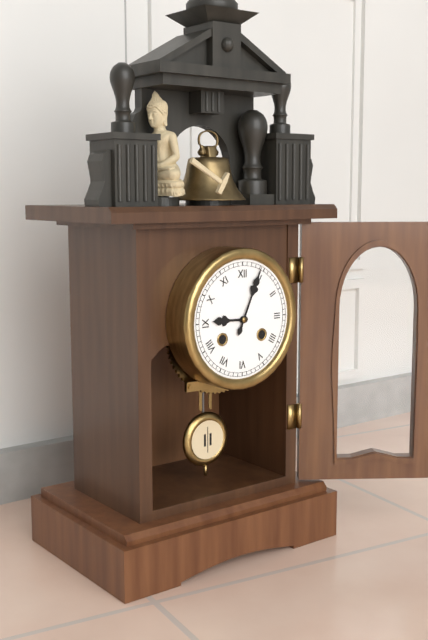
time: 9:04
